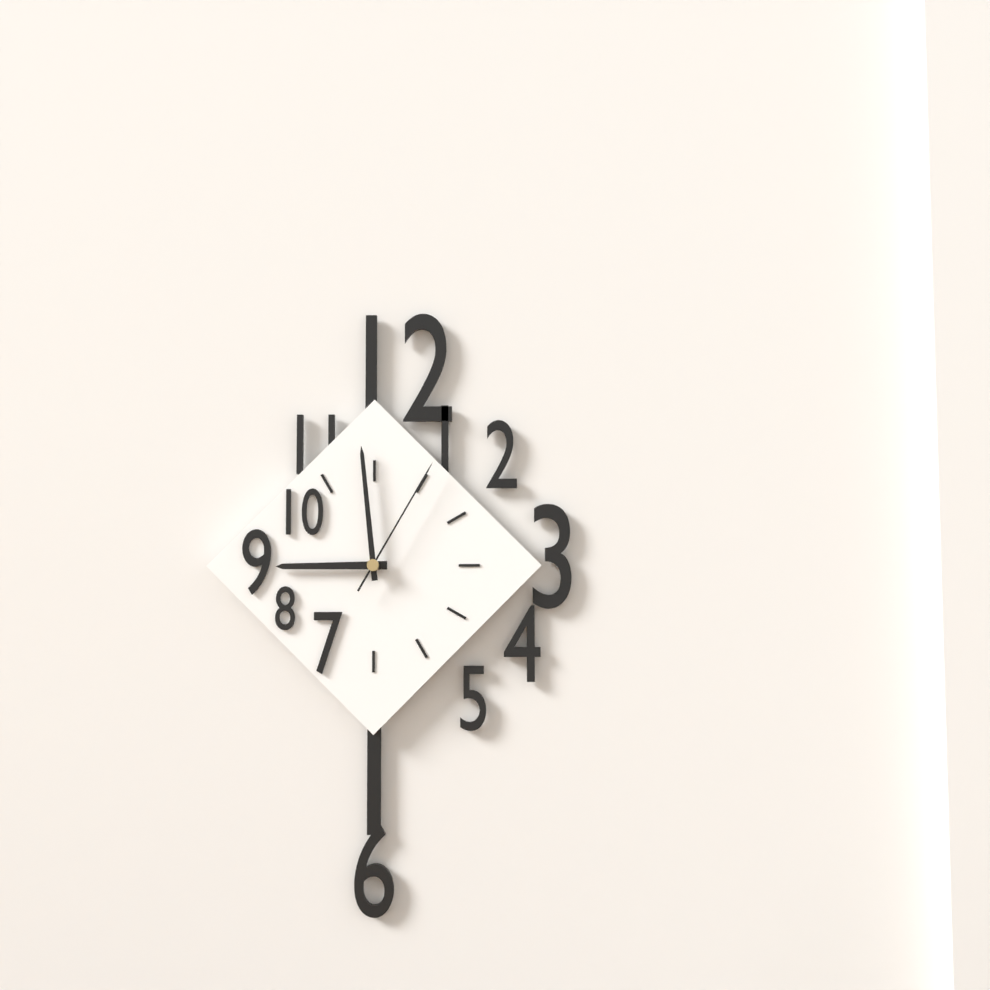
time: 8:59:05
